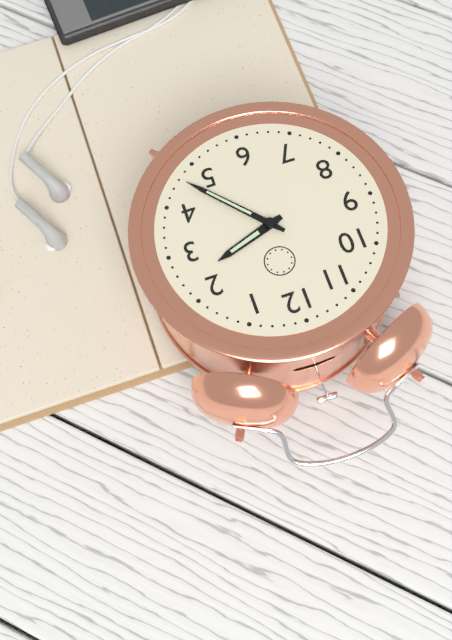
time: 2:23
